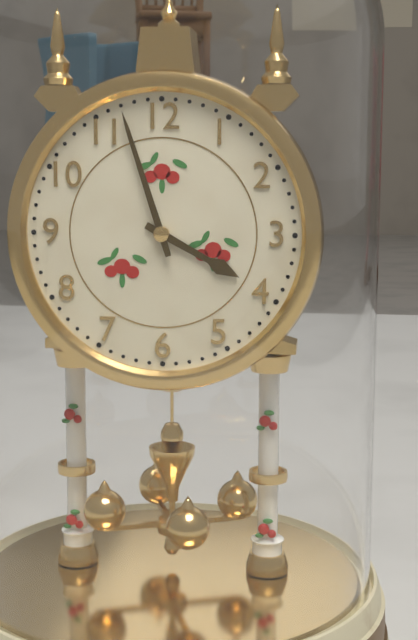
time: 3:57
